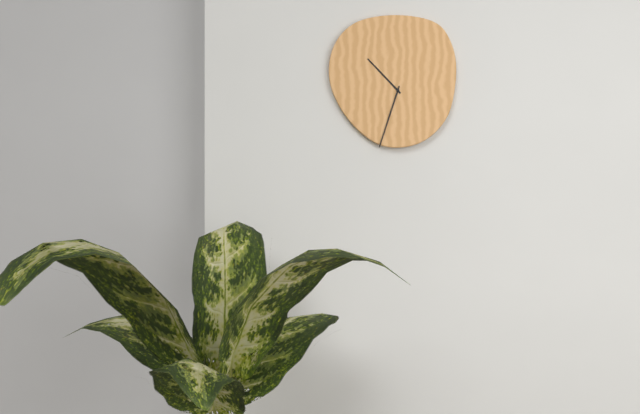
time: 10:33
